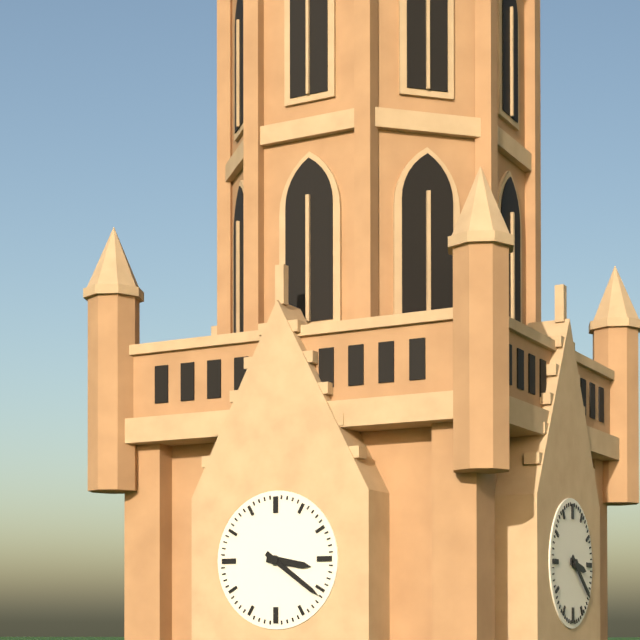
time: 3:21
